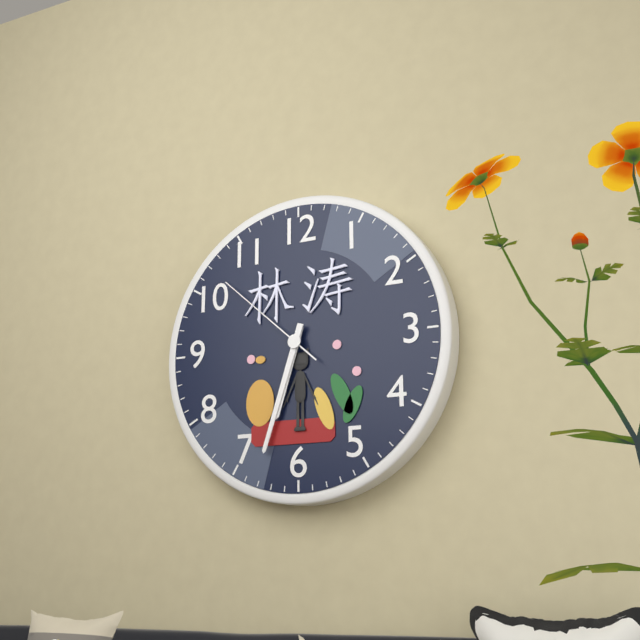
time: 6:33:52
